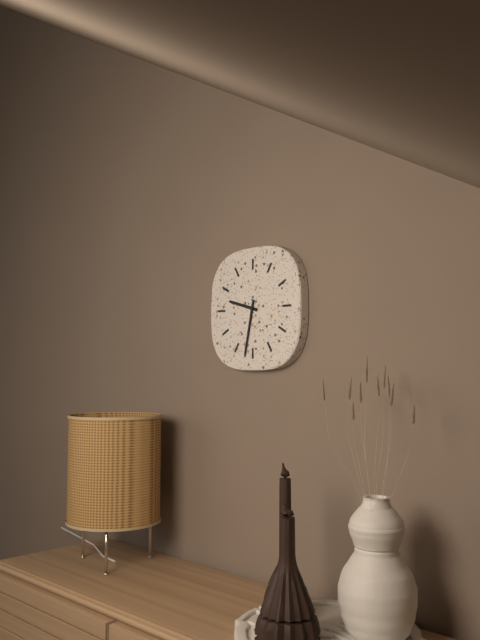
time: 9:32
